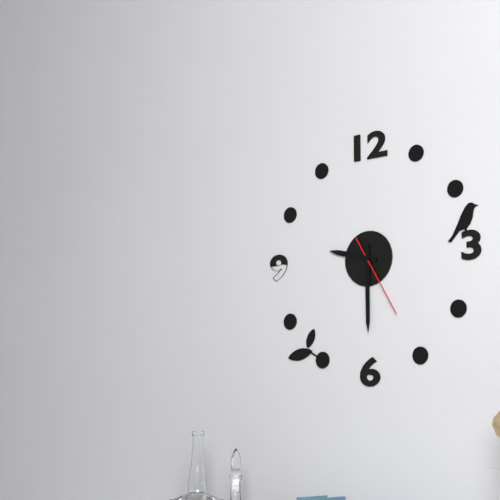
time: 9:30:25
